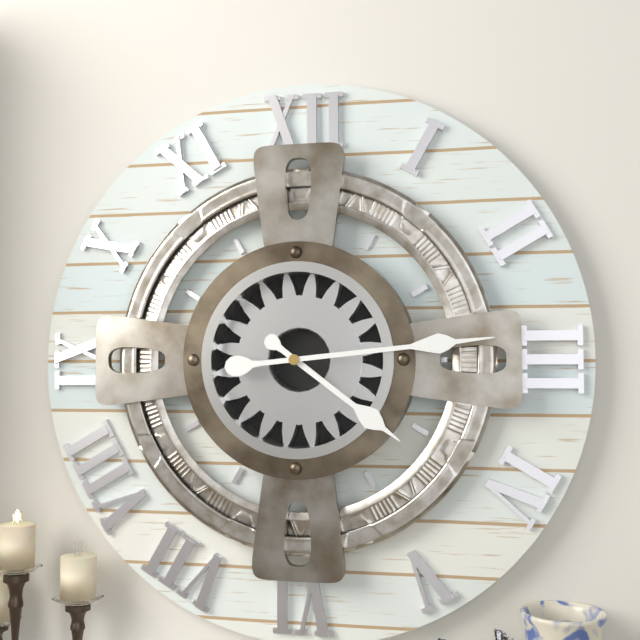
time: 4:14
